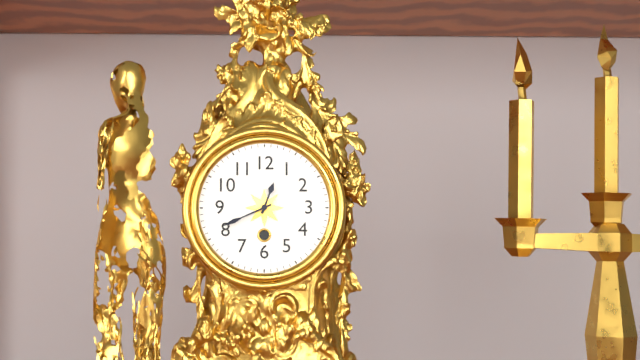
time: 12:41
